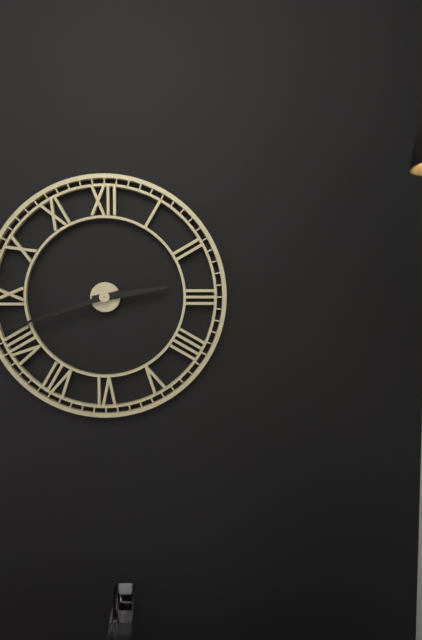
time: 2:42
